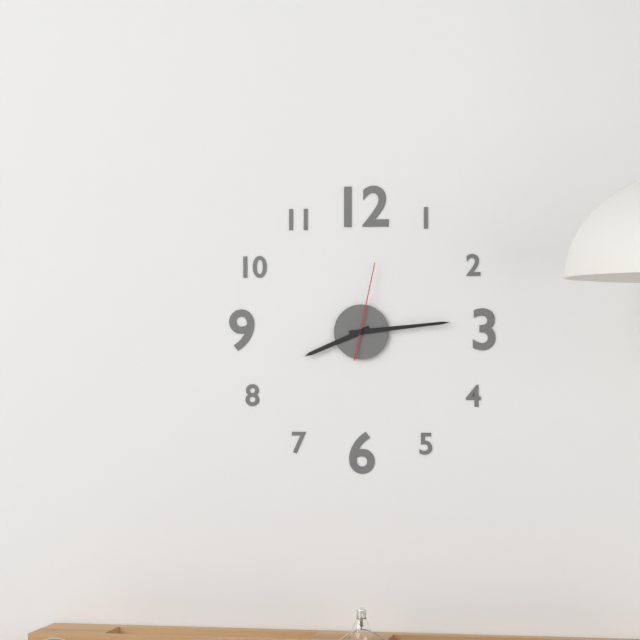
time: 8:14:02
